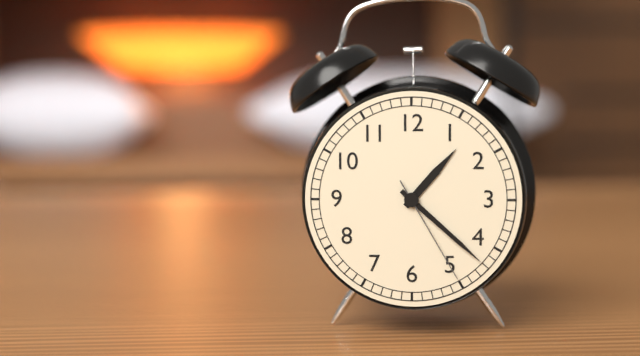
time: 1:22:25
